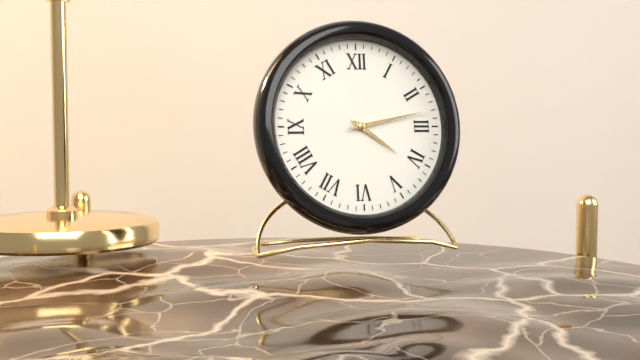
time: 4:13
